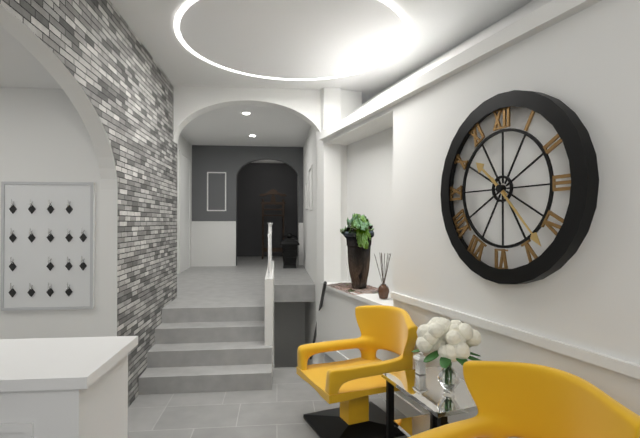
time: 10:23
